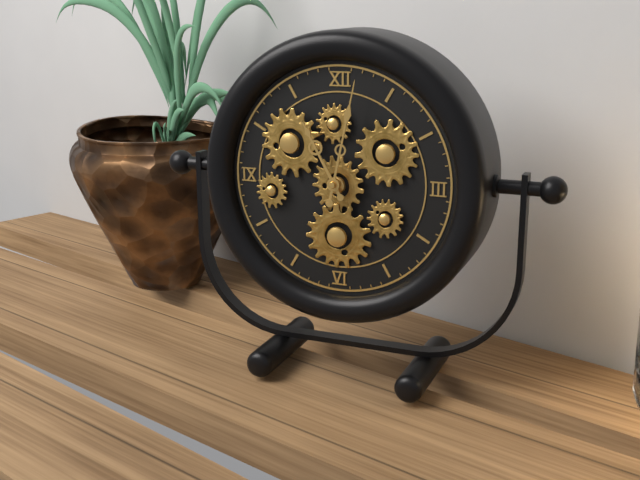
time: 11:02
